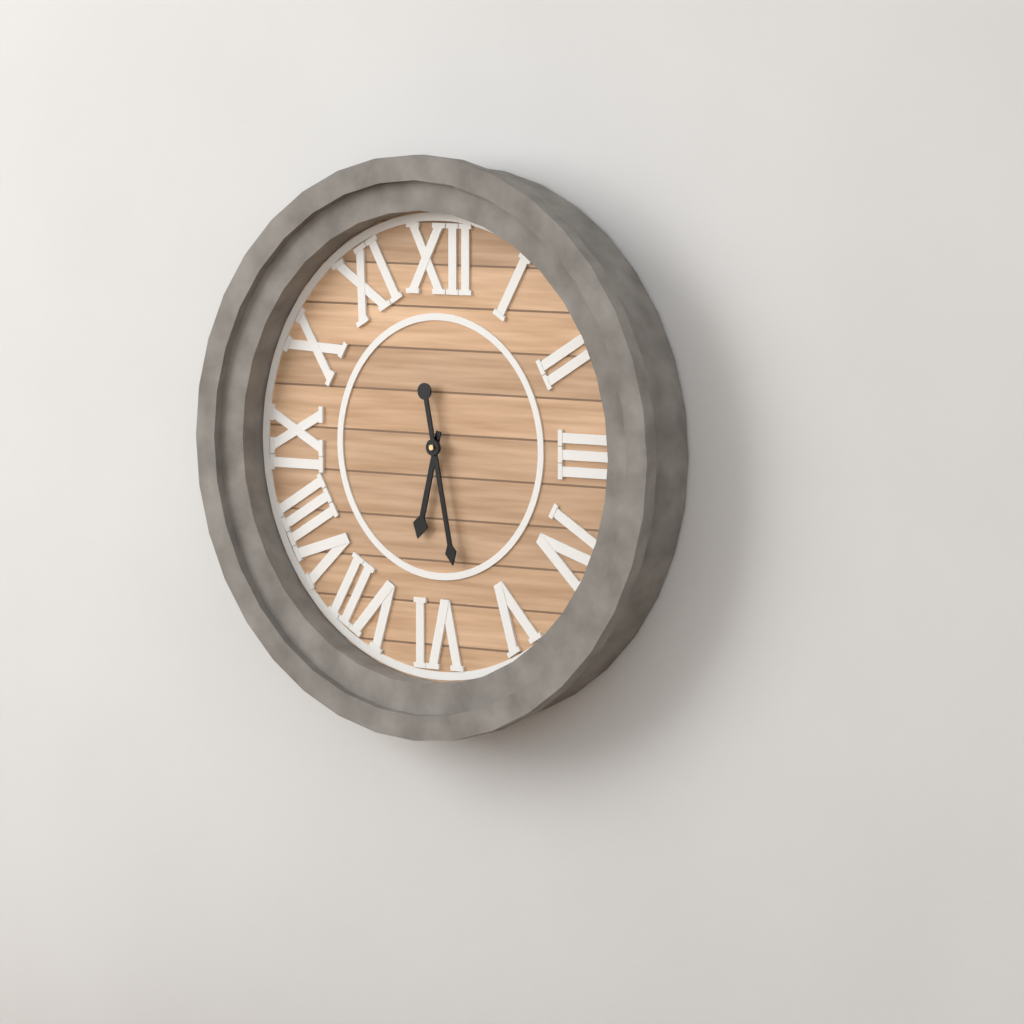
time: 6:28
